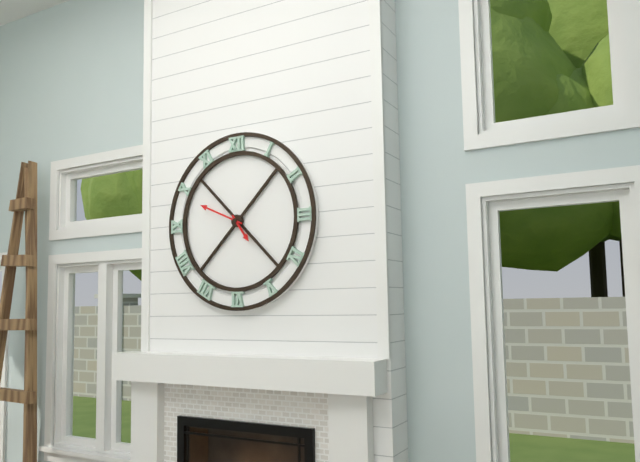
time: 4:49
